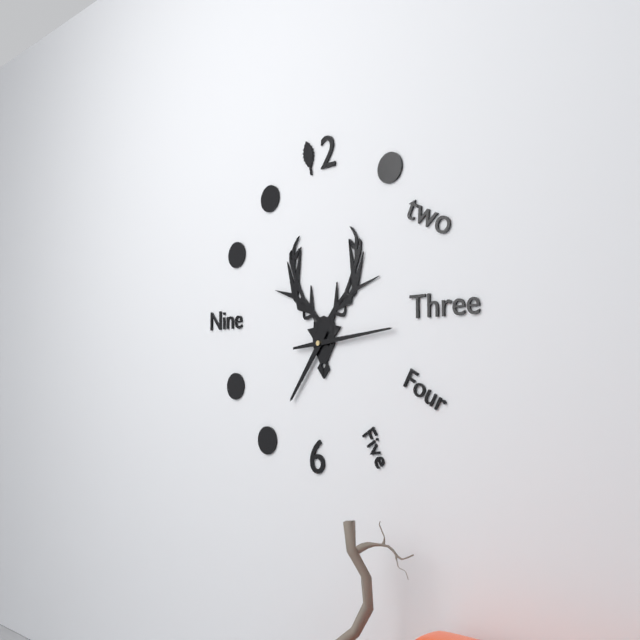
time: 7:14
